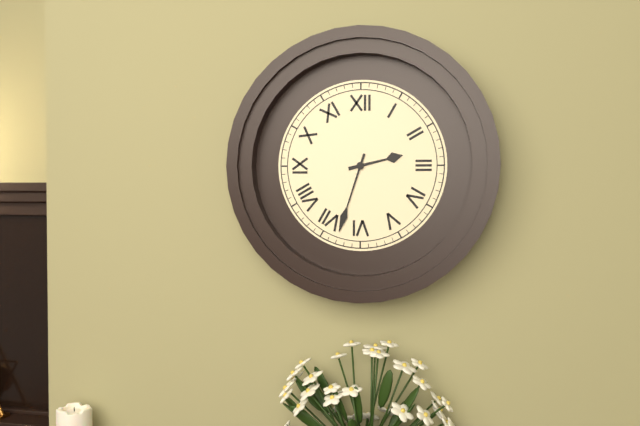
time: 2:33
